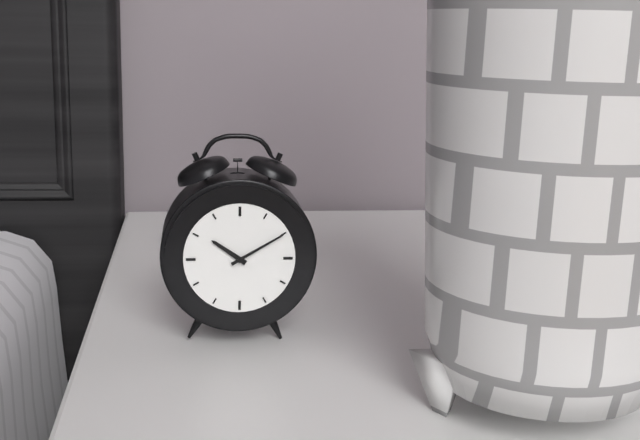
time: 10:10
